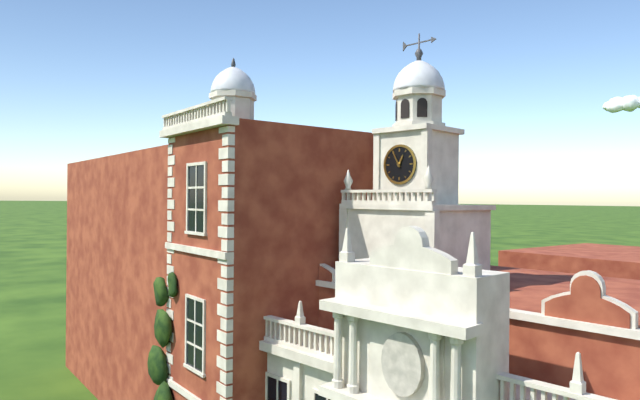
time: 12:55
